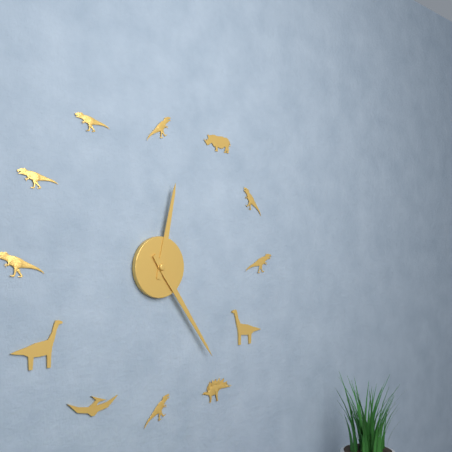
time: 12:24
